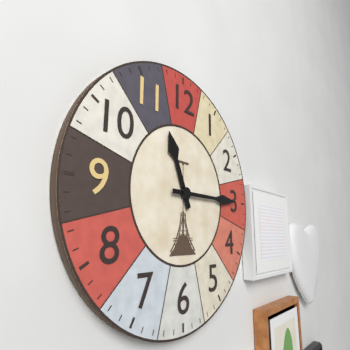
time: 11:15
